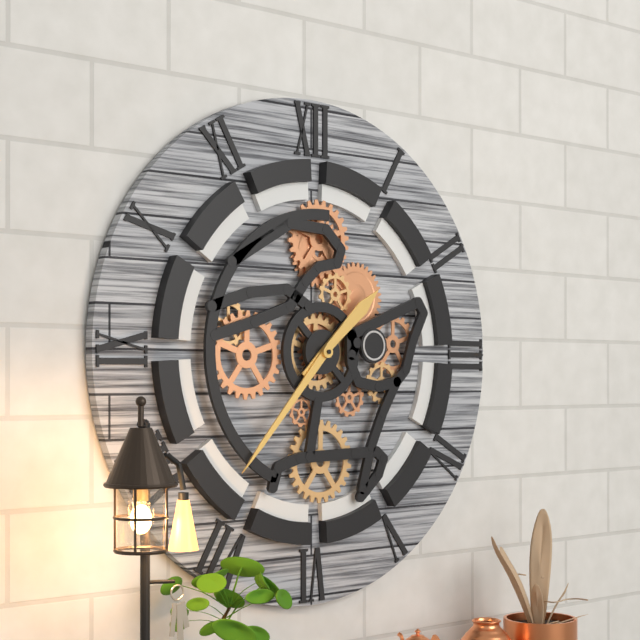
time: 1:37
